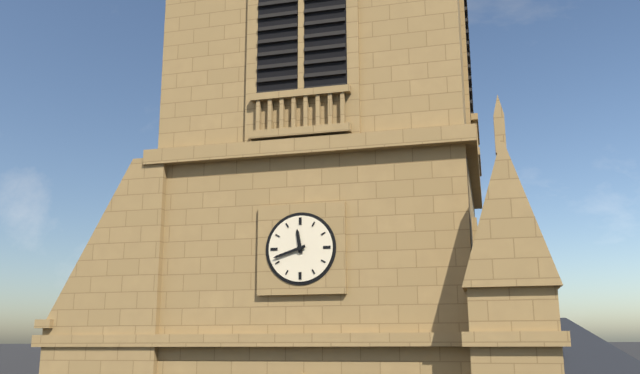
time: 11:42
